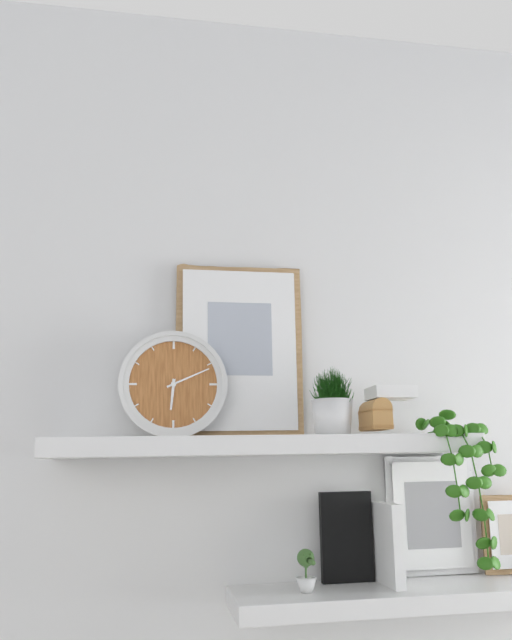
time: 6:11
